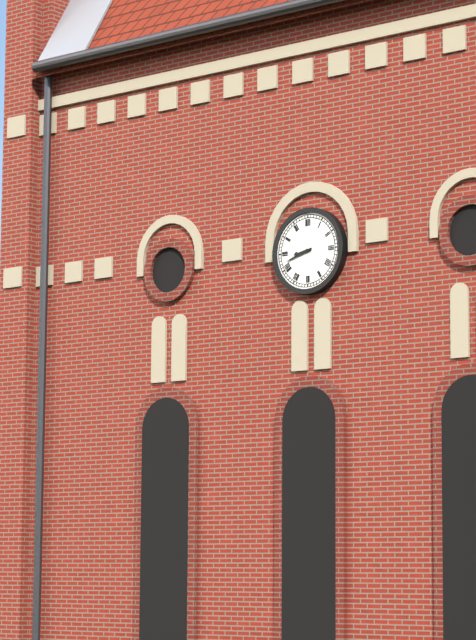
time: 8:42
